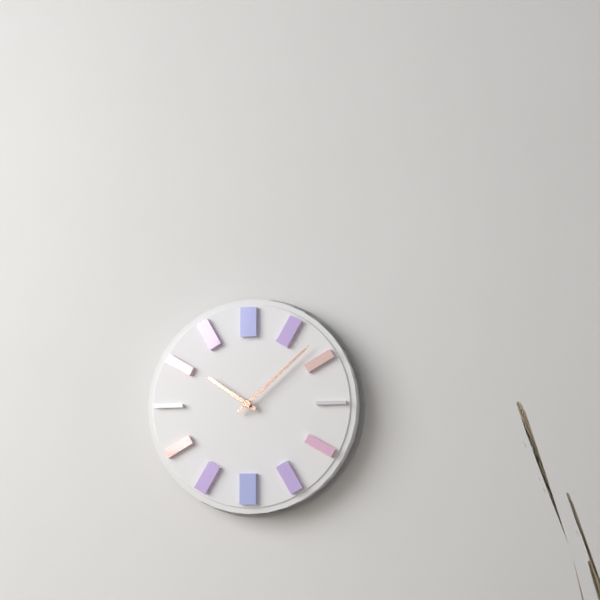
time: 10:08
